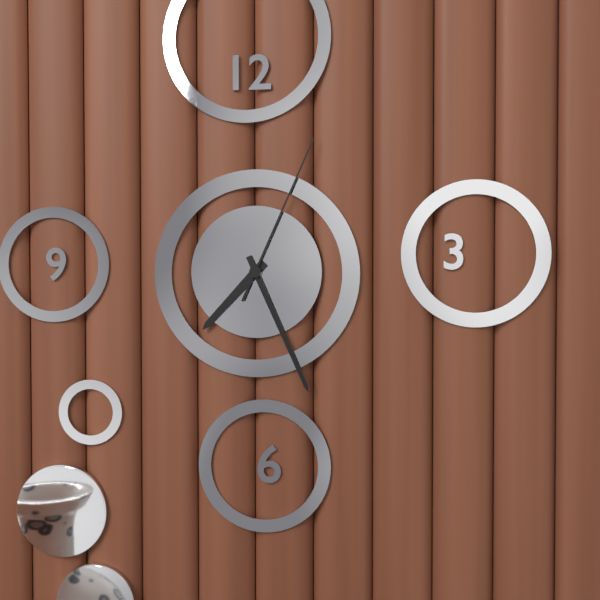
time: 7:26:04
